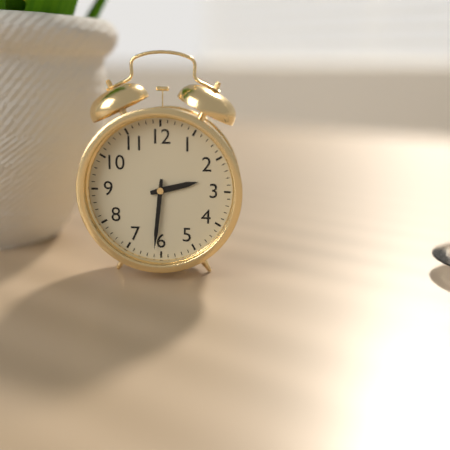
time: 2:31
